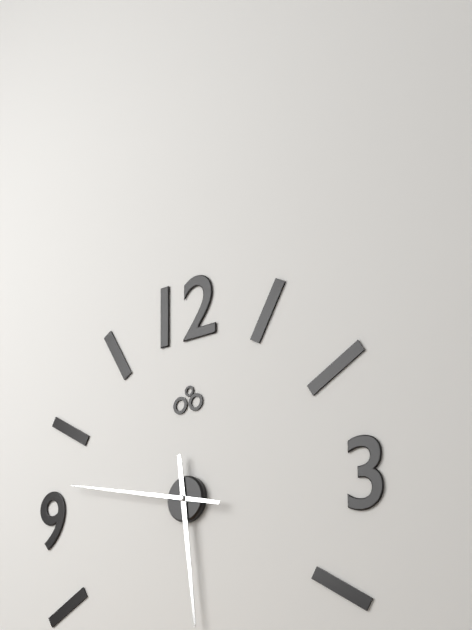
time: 5:47
